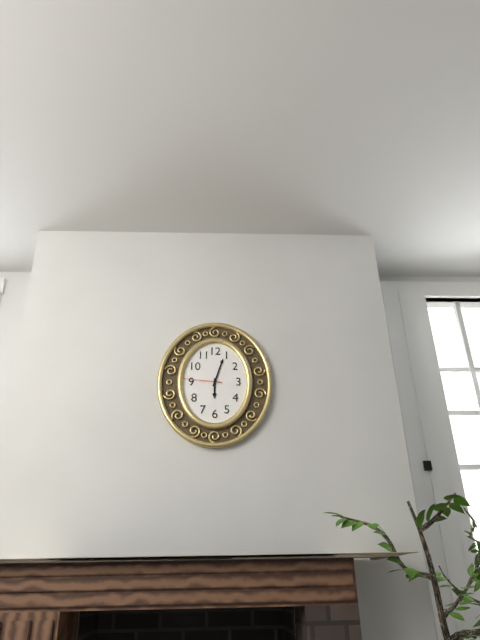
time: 6:03
